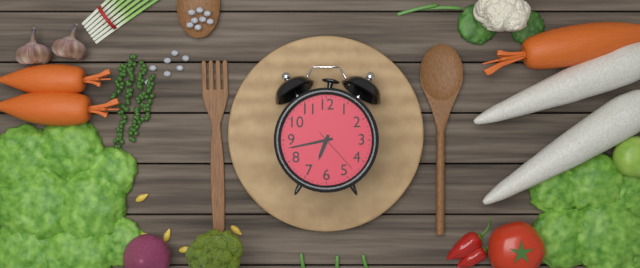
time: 6:43
